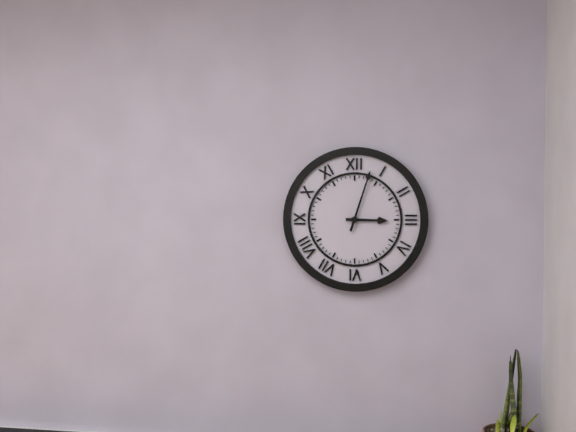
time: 3:03
